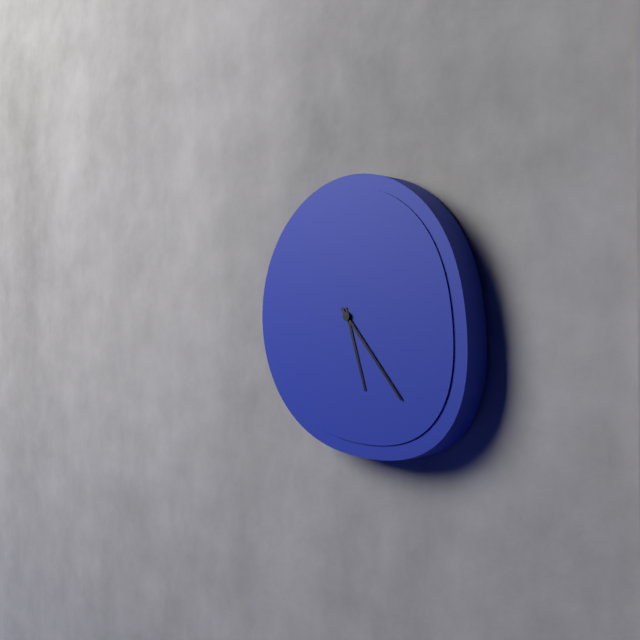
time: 5:23
